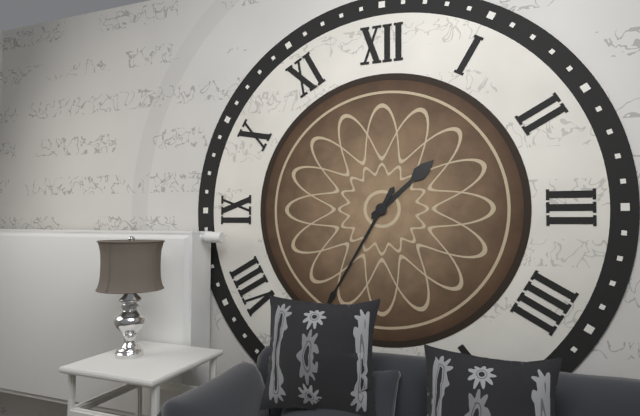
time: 1:35
